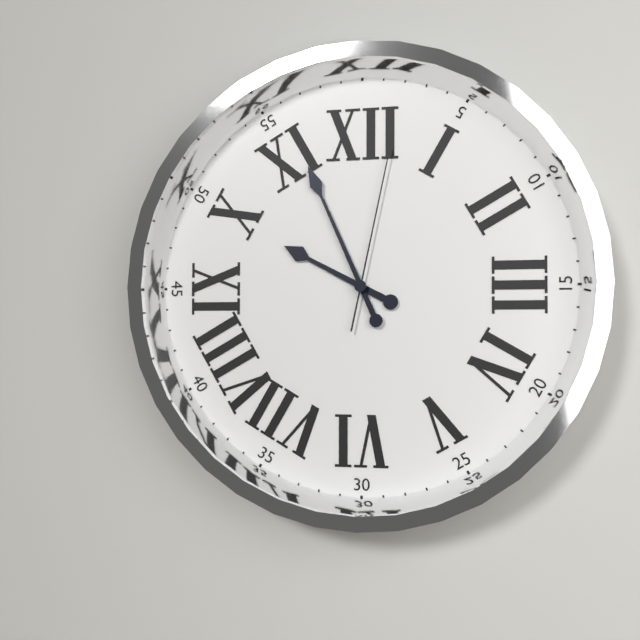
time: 9:56:02
